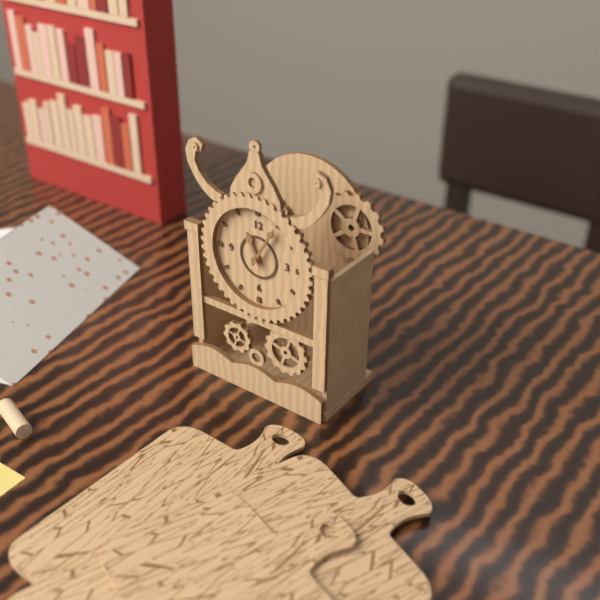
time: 11:05
